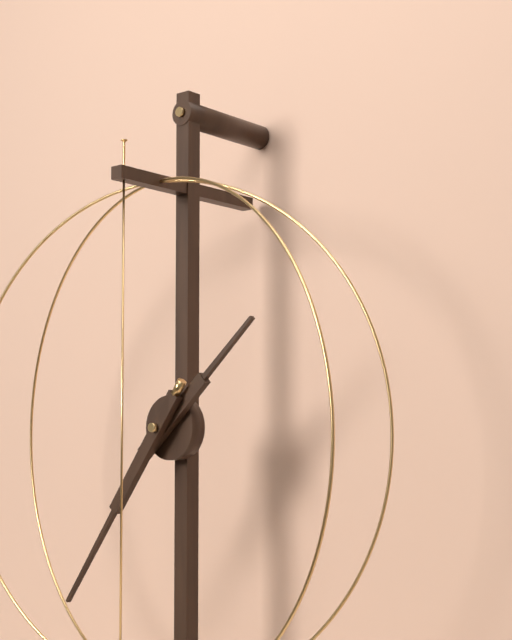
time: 1:36
